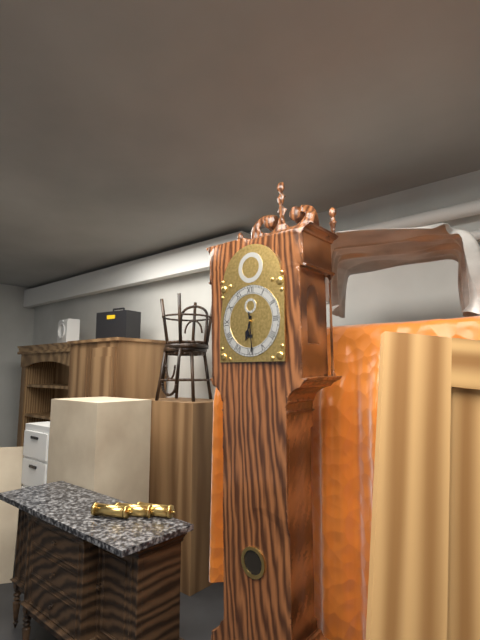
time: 6:29
